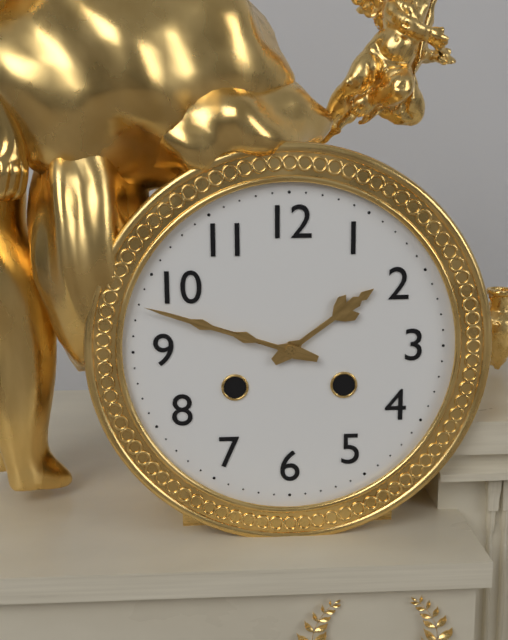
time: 1:48
